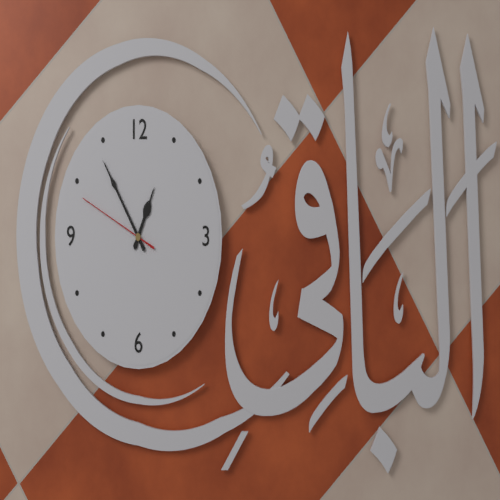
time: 12:54:49
